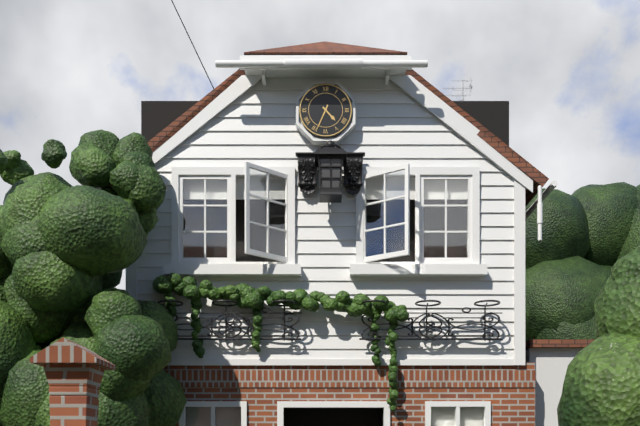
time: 4:34
